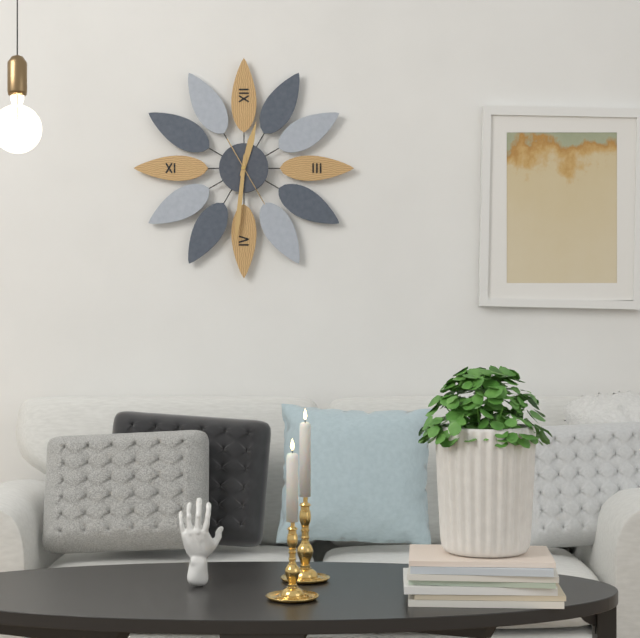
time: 12:31:25
